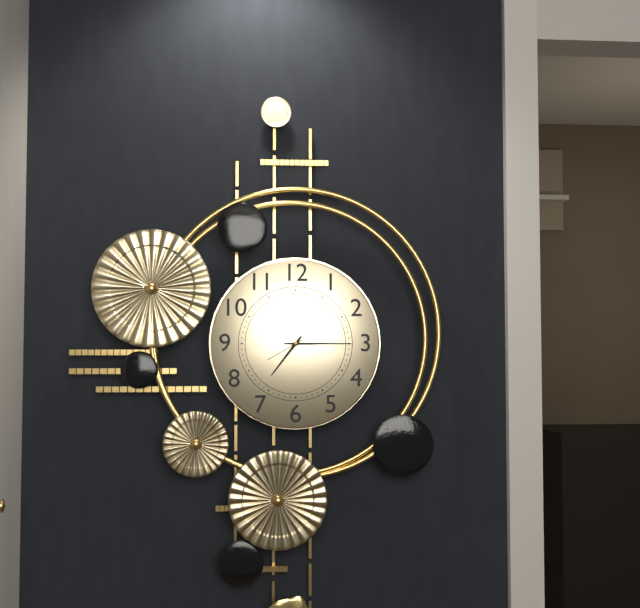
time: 7:15
